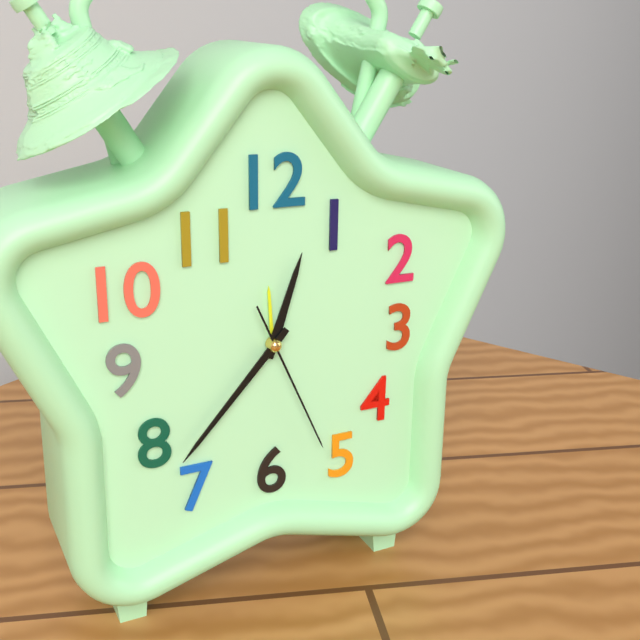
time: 12:37:26
